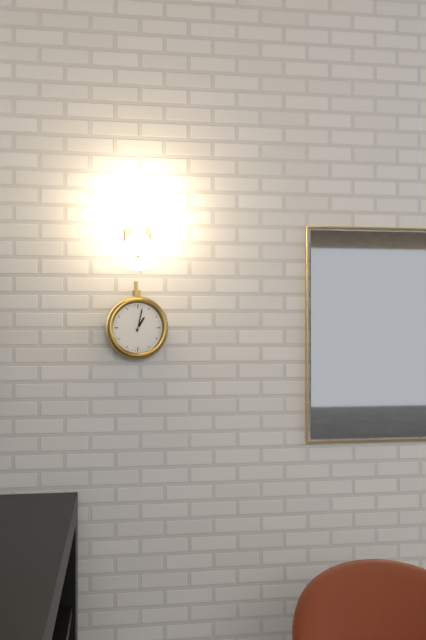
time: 1:02
